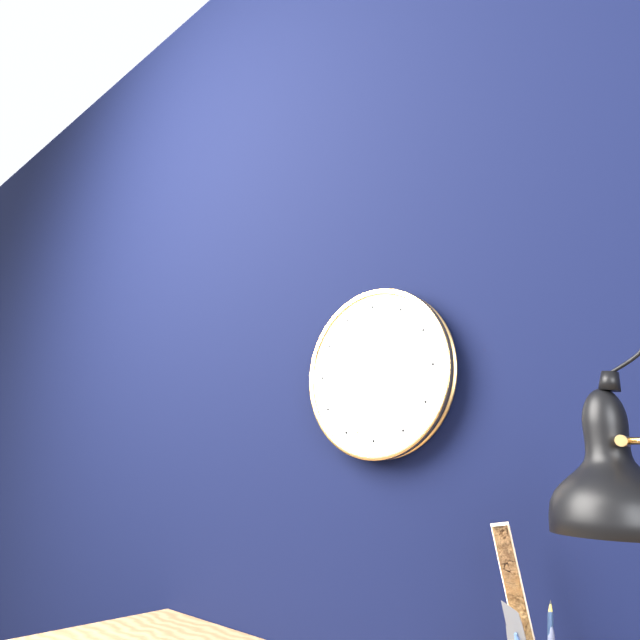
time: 2:33
